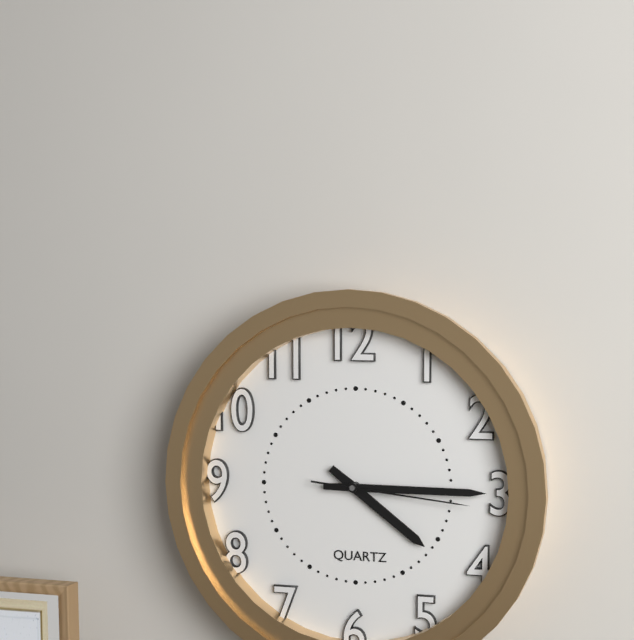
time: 4:15:16
